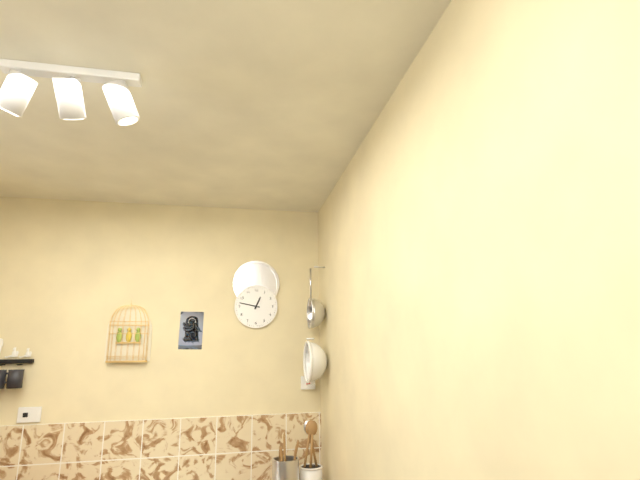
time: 12:47
